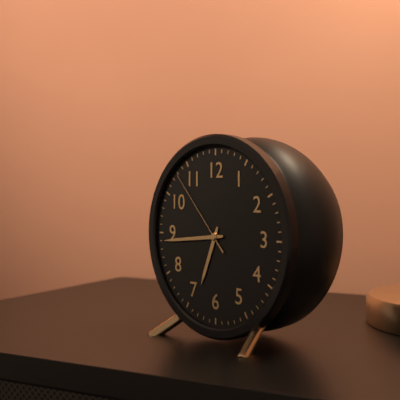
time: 6:44:53
